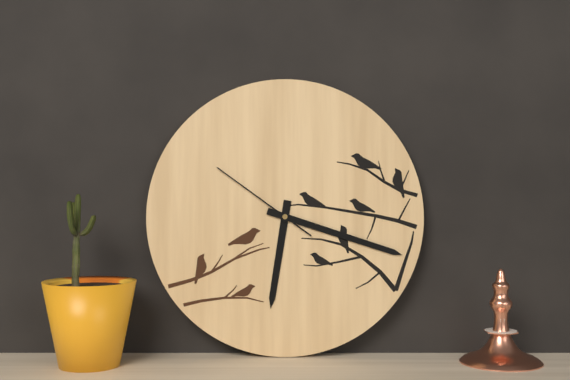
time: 6:18:51
